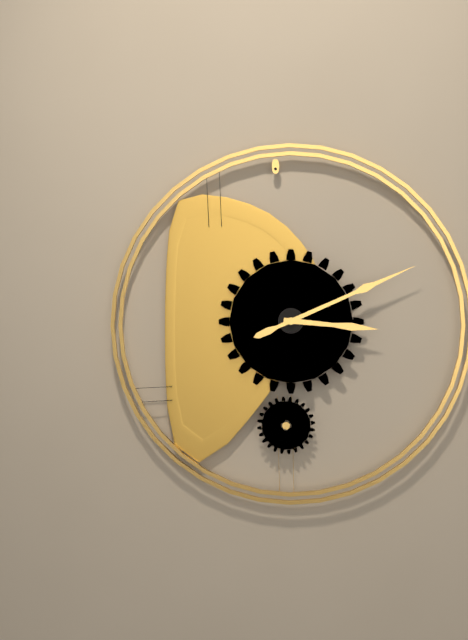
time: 3:11
